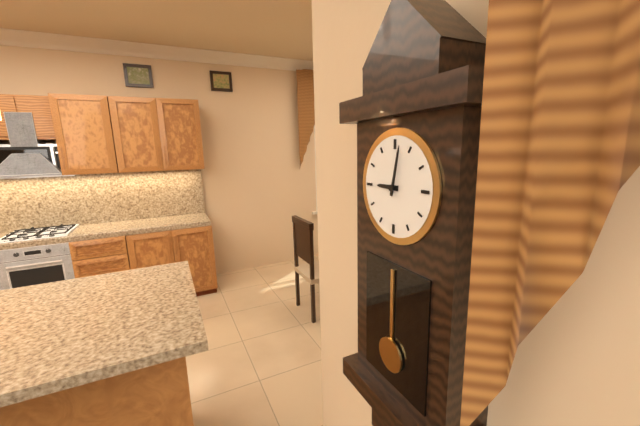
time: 9:02
